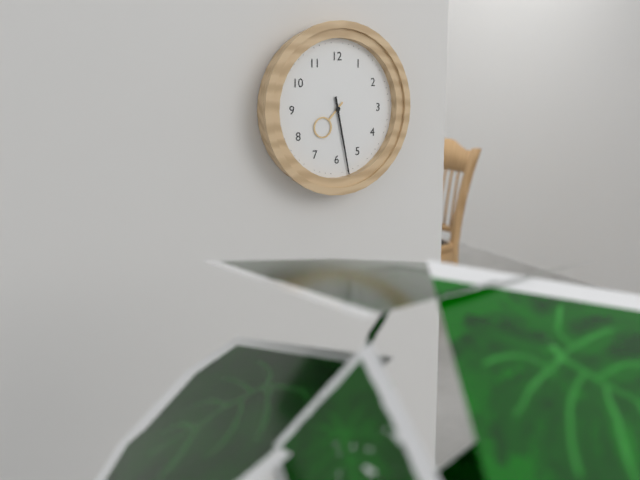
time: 7:28
